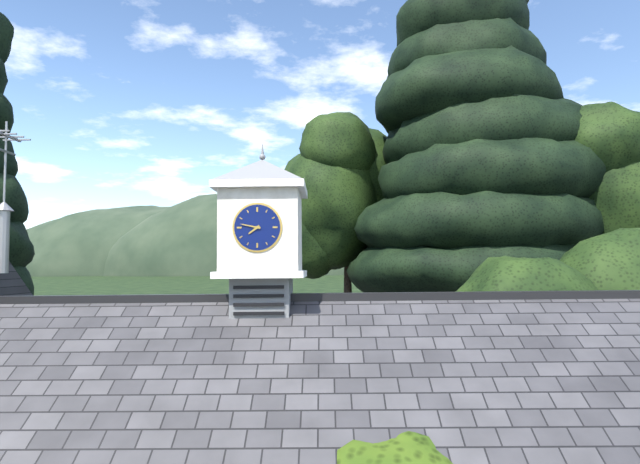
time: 7:47
